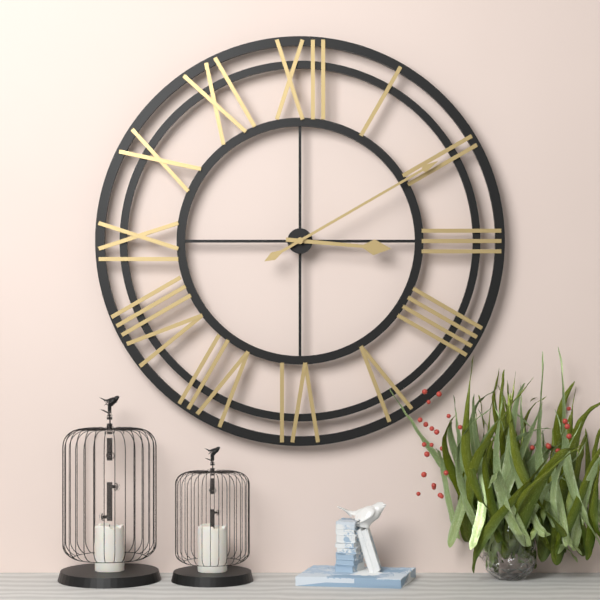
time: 3:10
